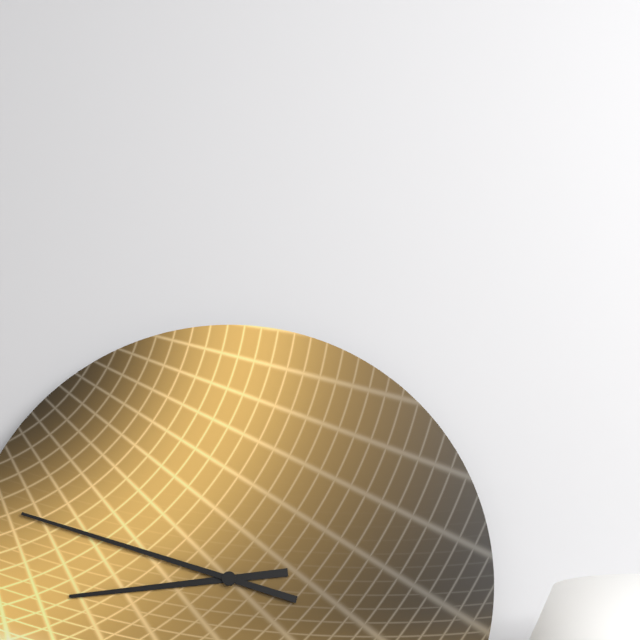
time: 8:48
